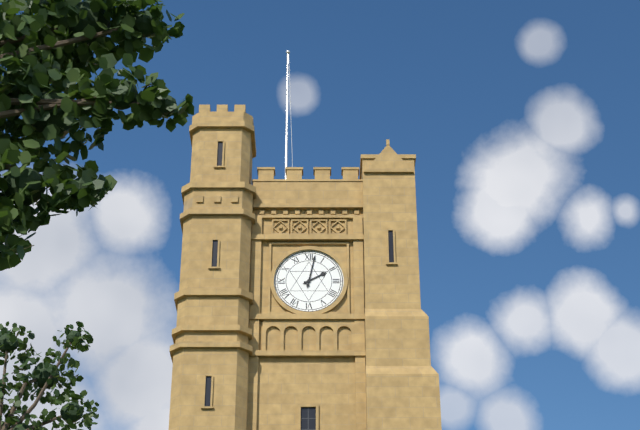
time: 2:02
